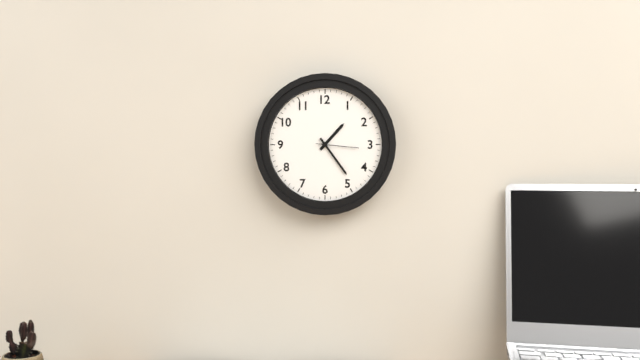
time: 1:24
